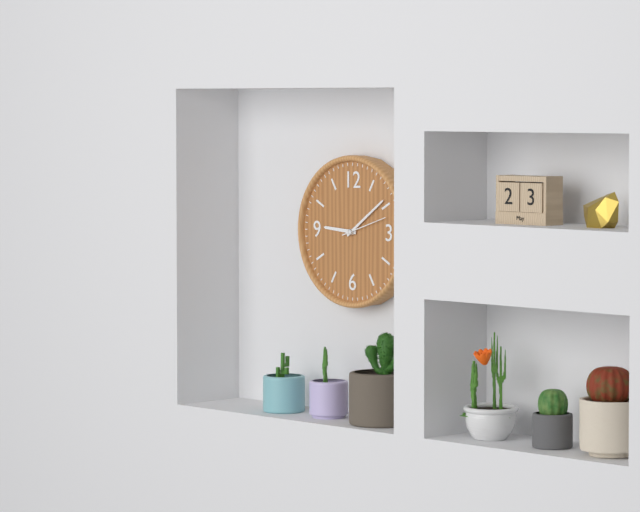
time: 9:09
